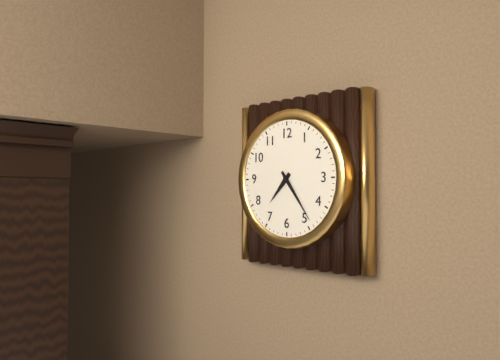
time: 7:24
